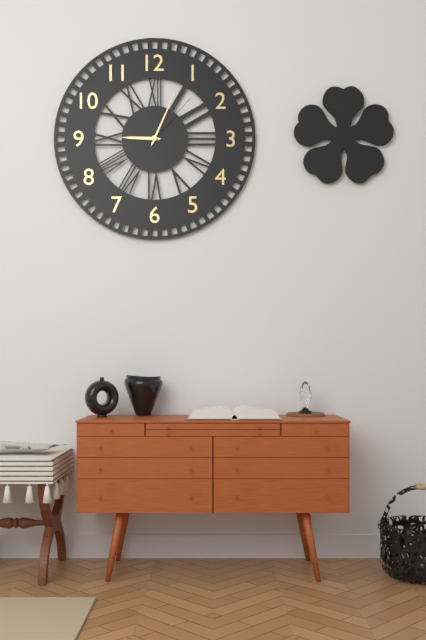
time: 9:04:07
